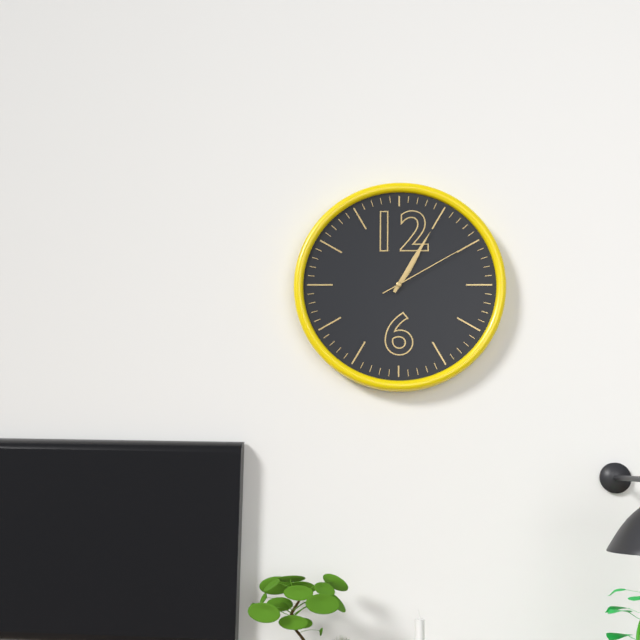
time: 1:05:10
